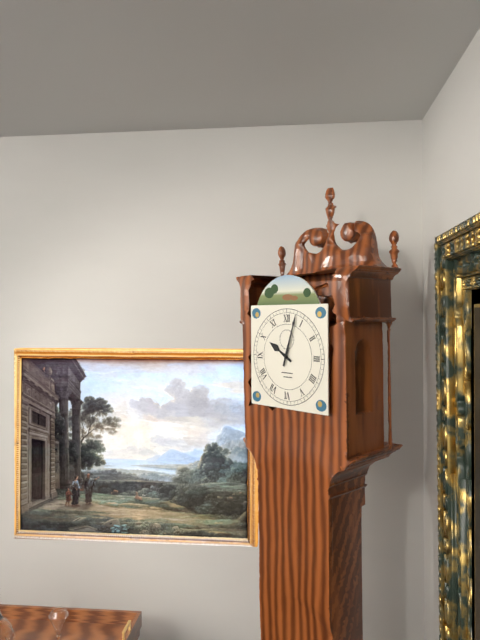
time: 10:03
